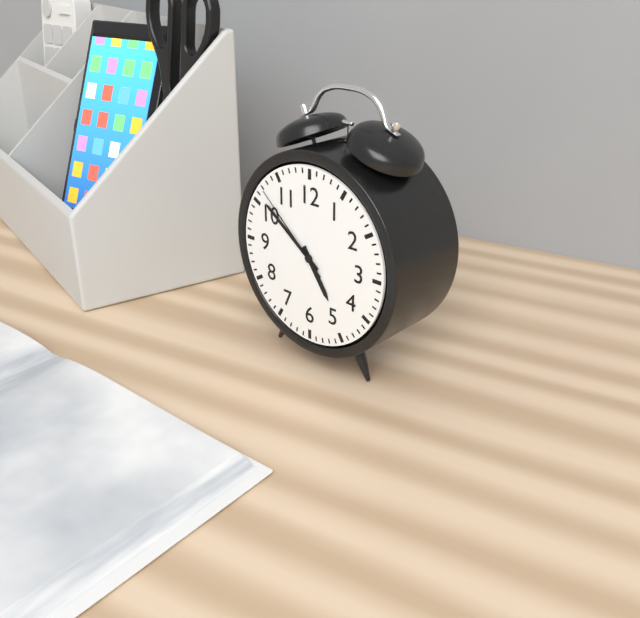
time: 4:51:52
